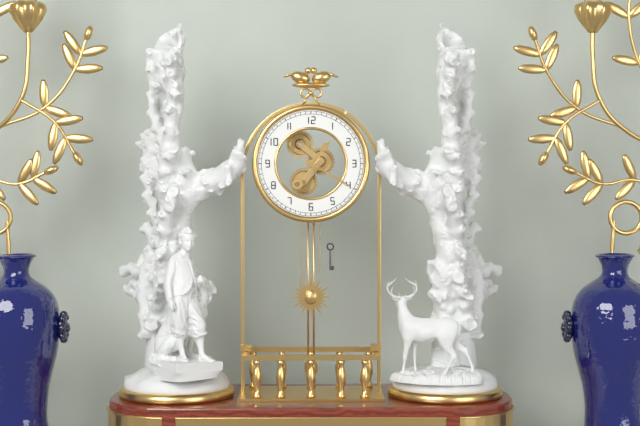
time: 1:20
